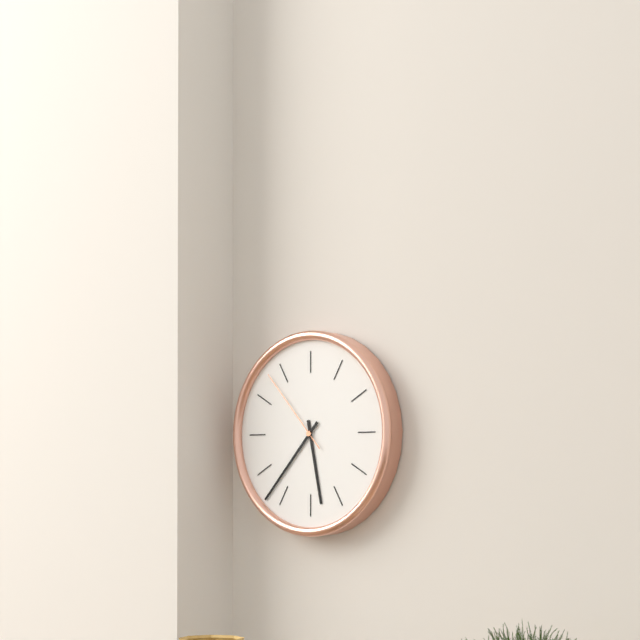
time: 5:37:53
